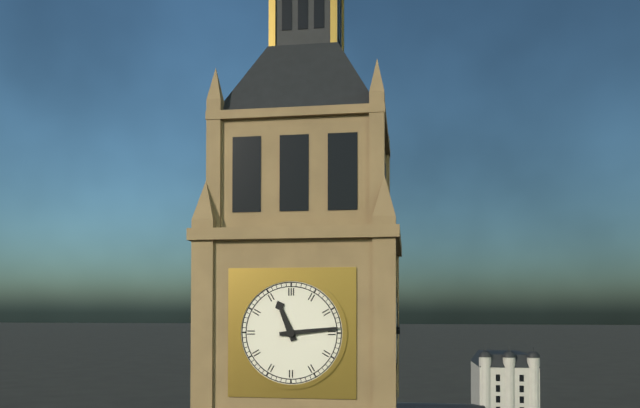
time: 11:14
